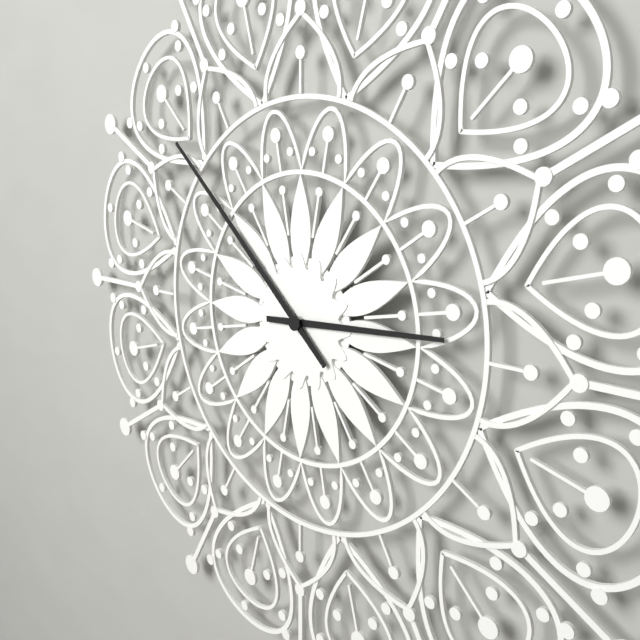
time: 2:52
